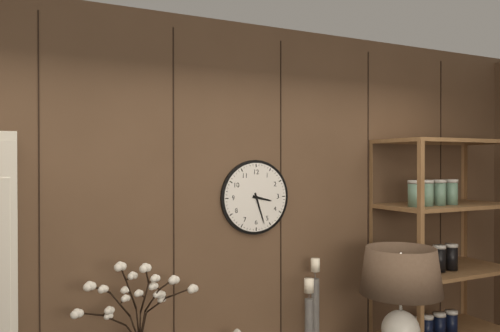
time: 3:27
